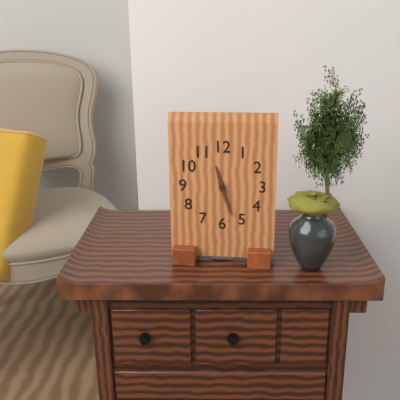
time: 11:27
